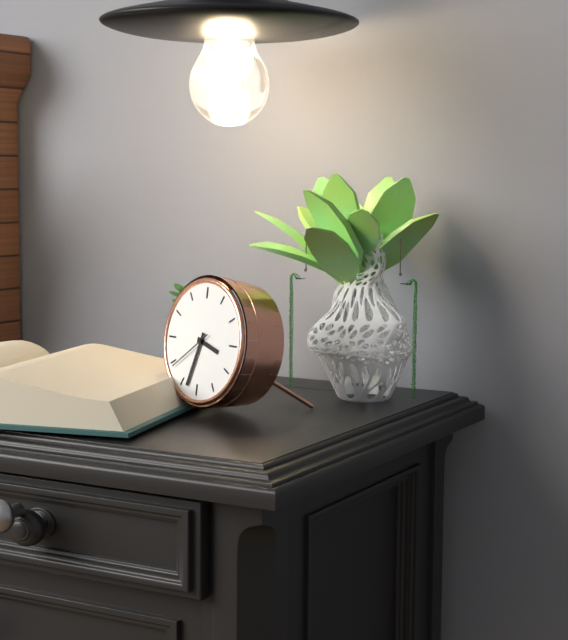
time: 3:33
